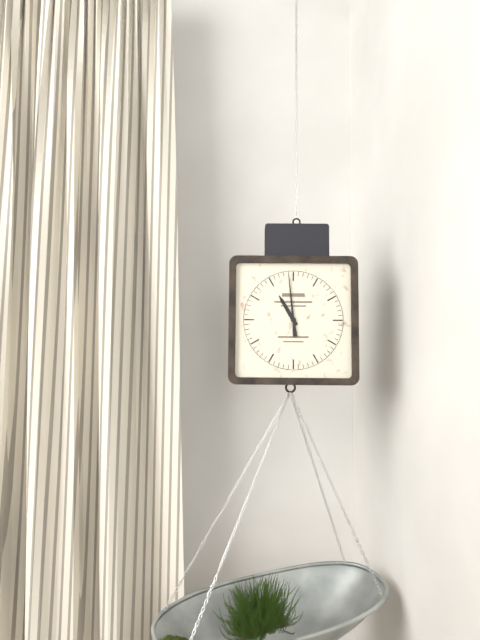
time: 10:59
